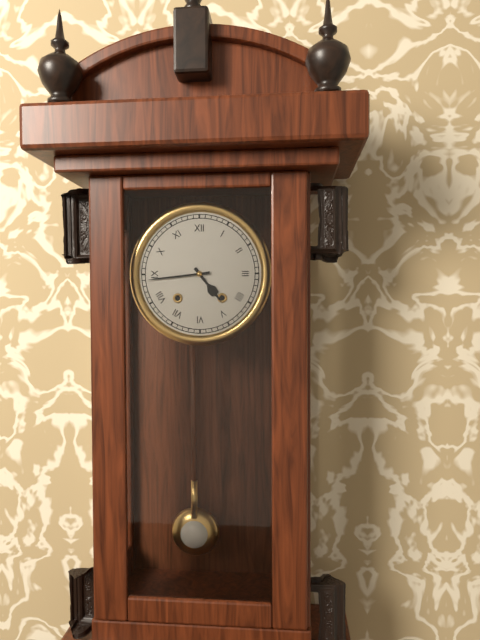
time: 4:44
